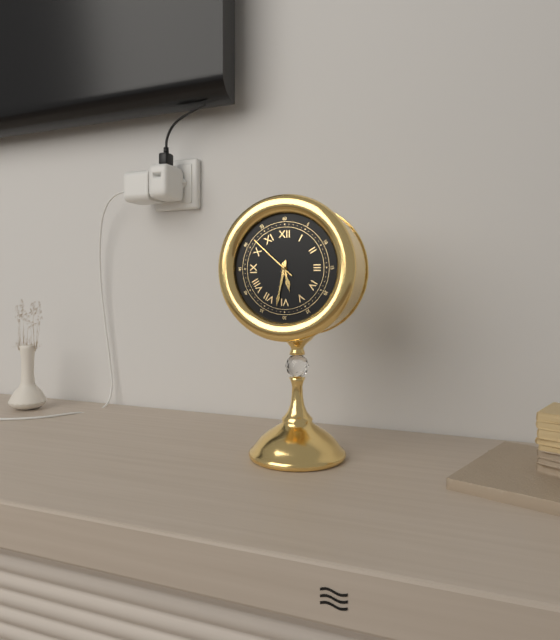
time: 5:32:52
